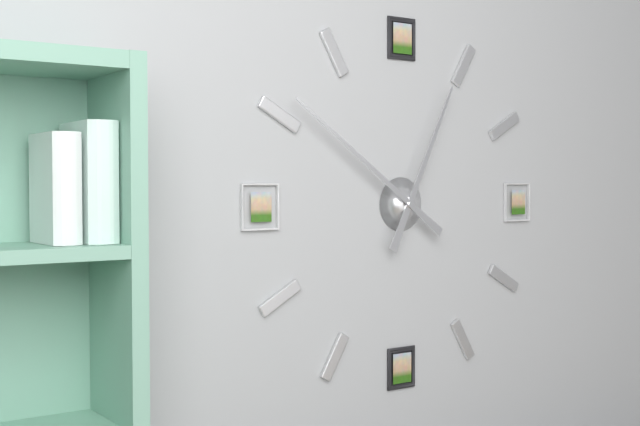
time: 12:51
